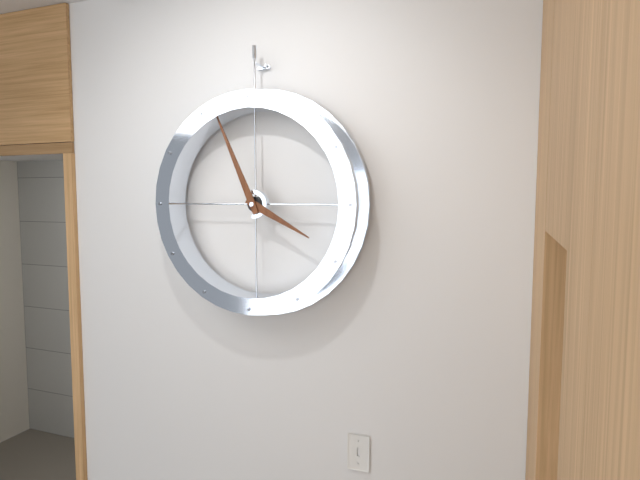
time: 3:56
